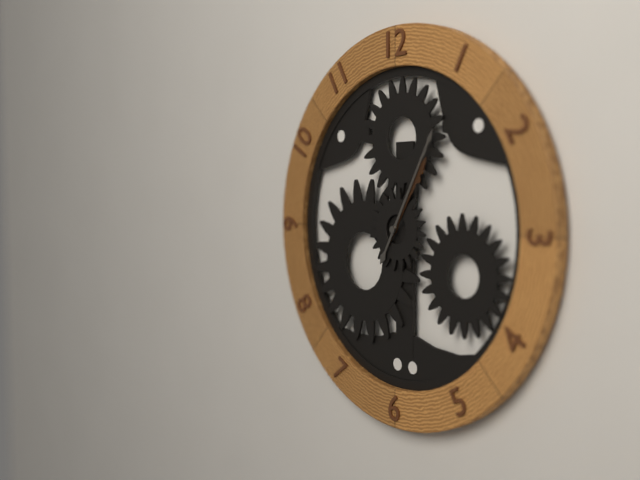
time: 1:05
